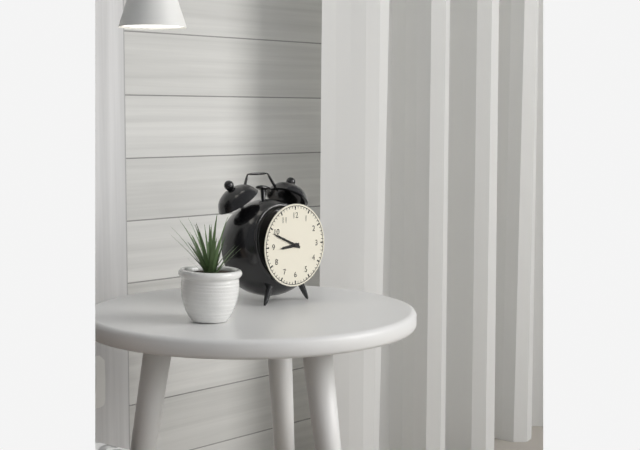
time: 8:49
